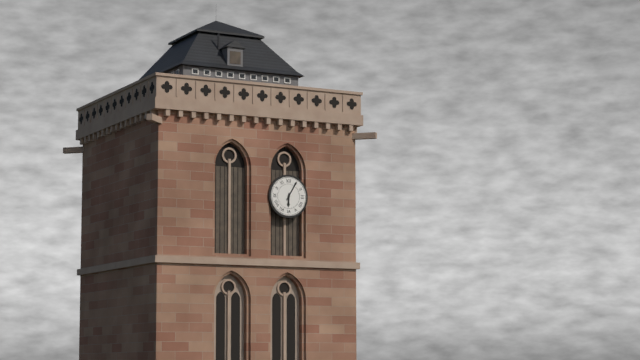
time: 6:05
